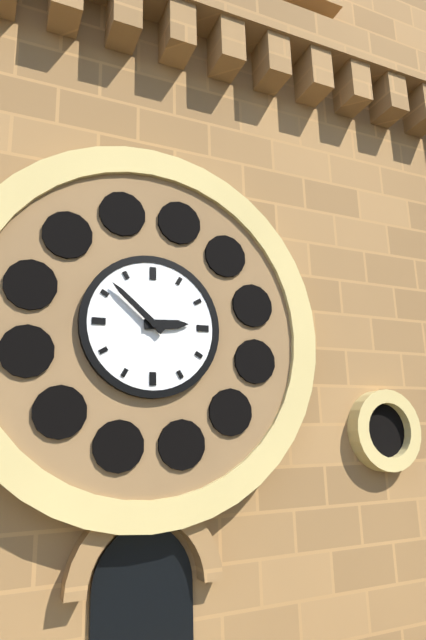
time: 2:52
